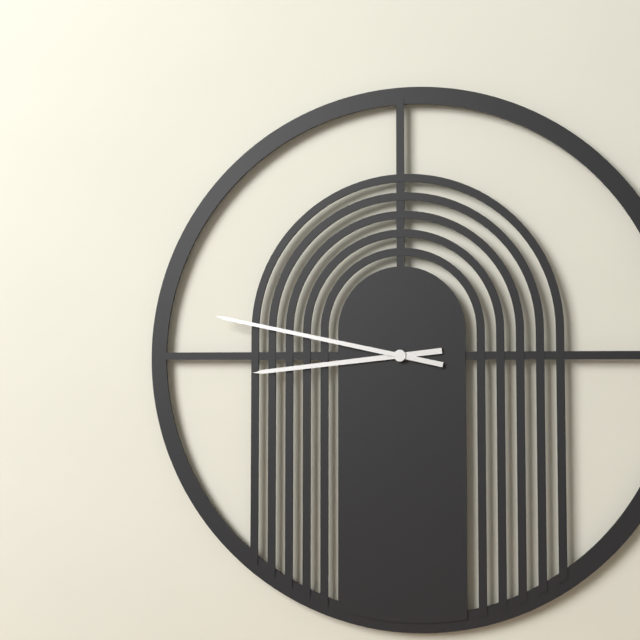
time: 8:47
